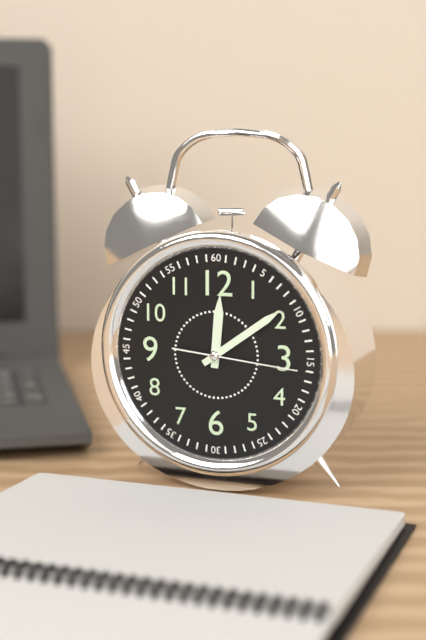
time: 12:09:16
